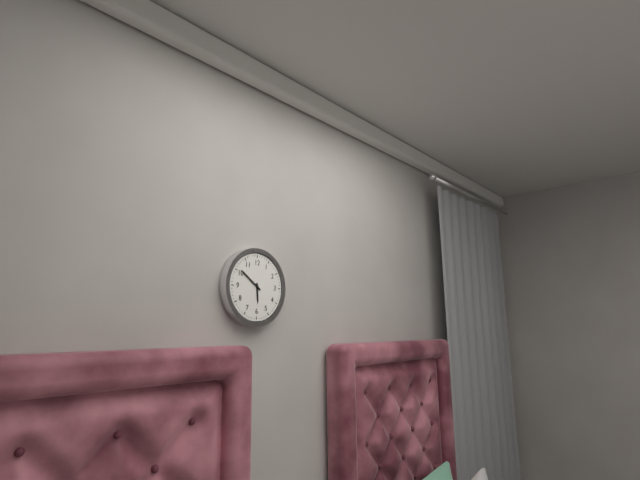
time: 5:51
